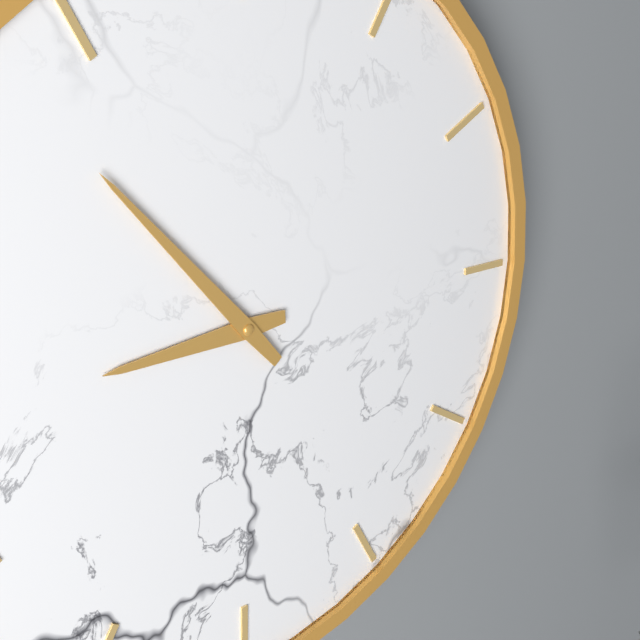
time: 8:53
